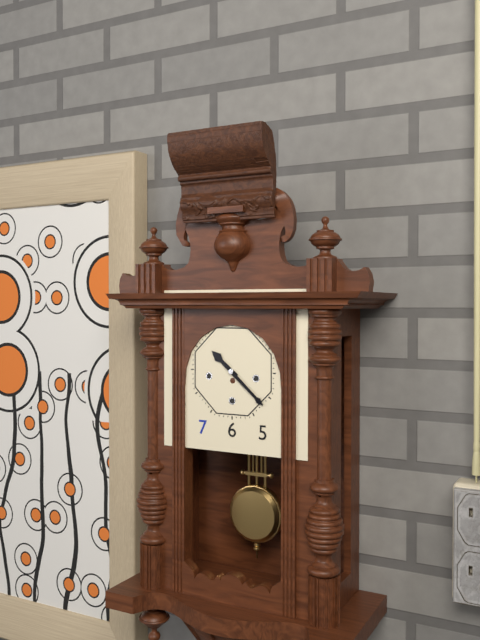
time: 10:22
